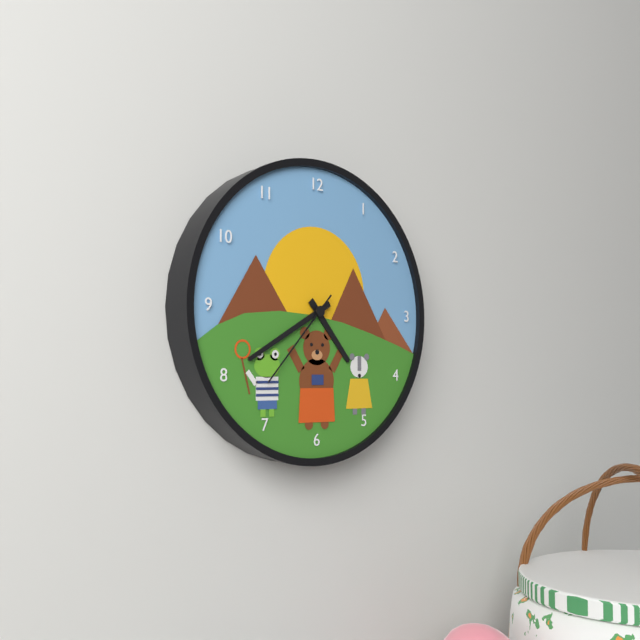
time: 4:40:37
